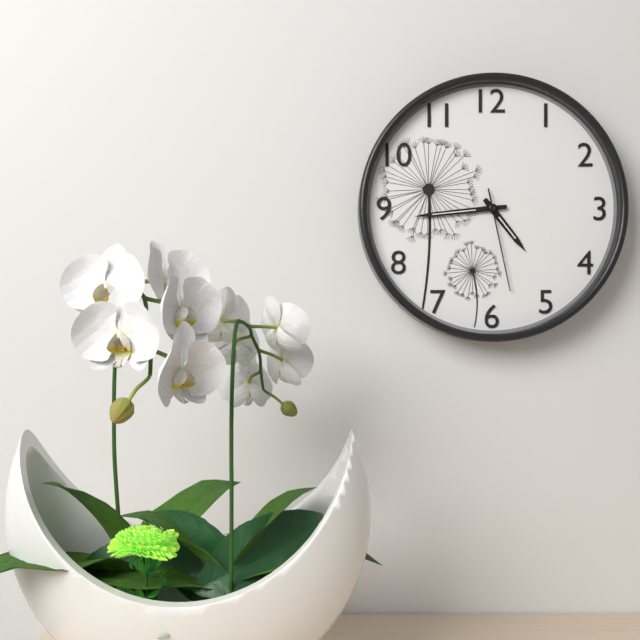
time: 4:44:28
